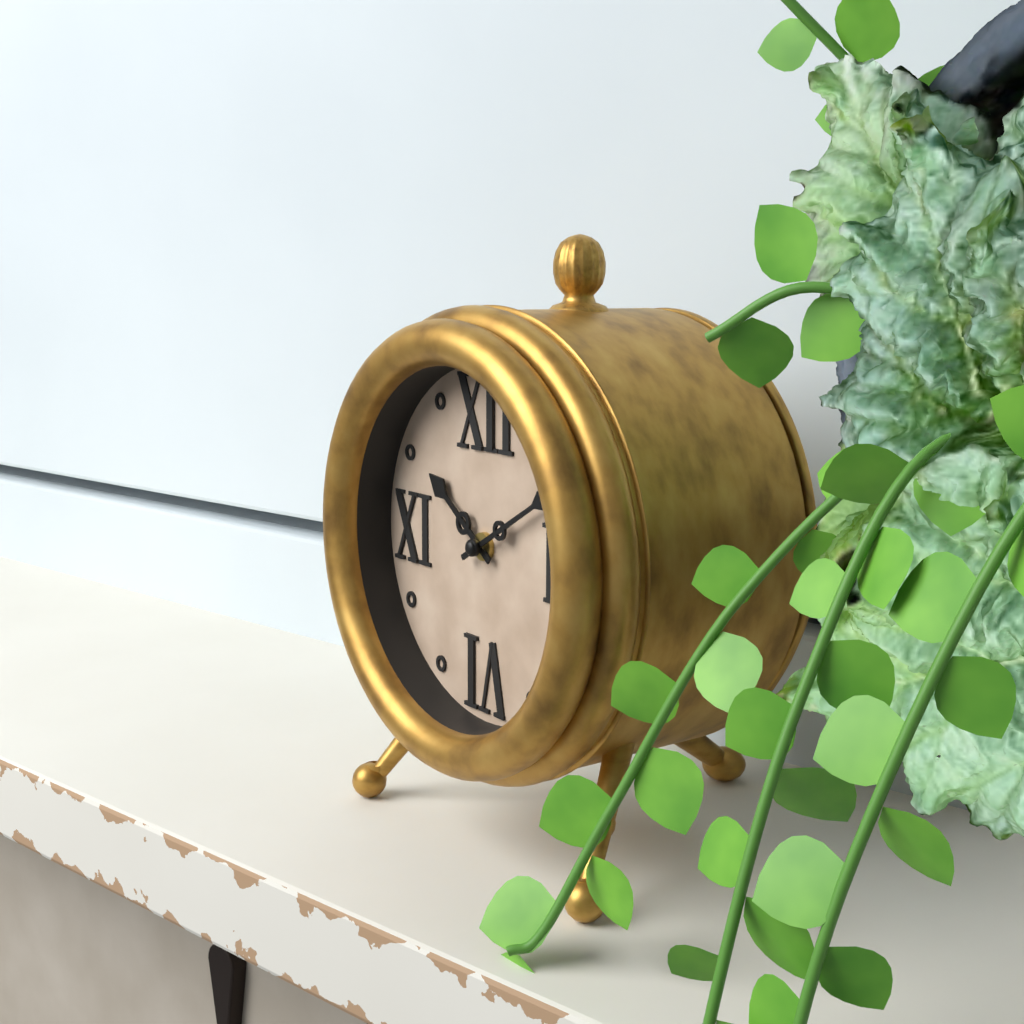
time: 10:10
